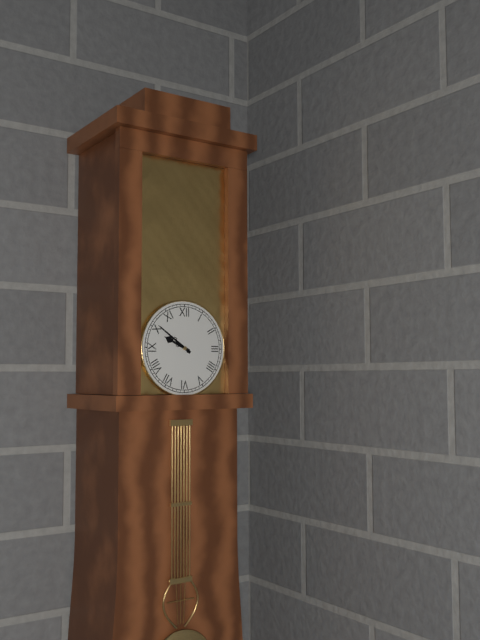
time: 9:51
